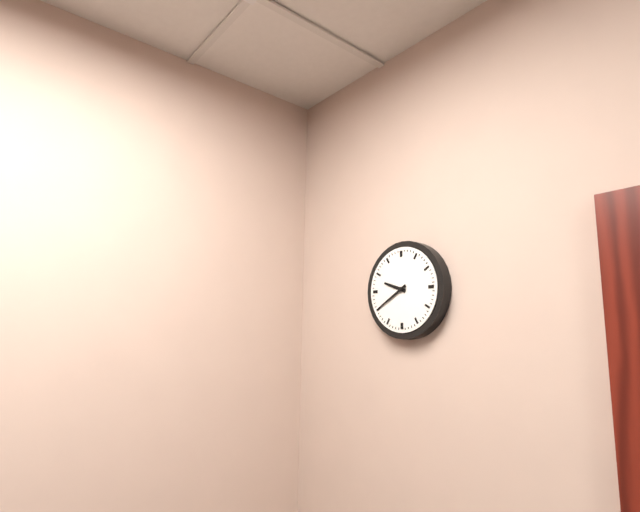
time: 9:40
